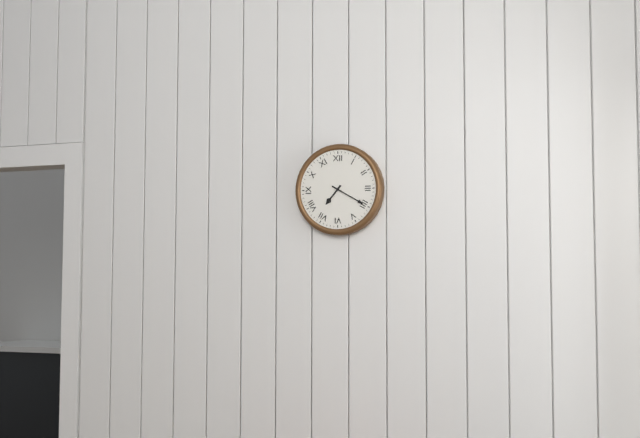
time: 7:20
